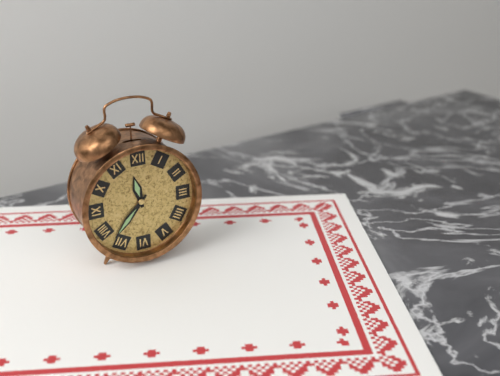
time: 11:37
